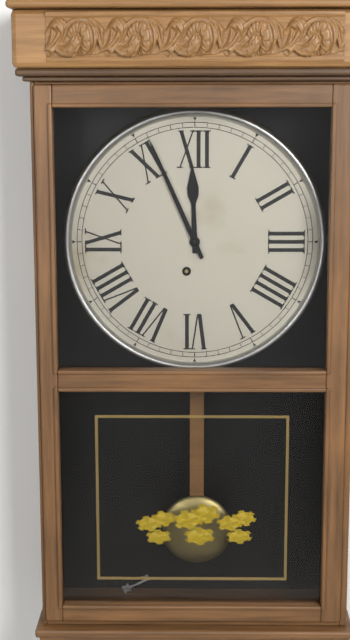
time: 11:56
